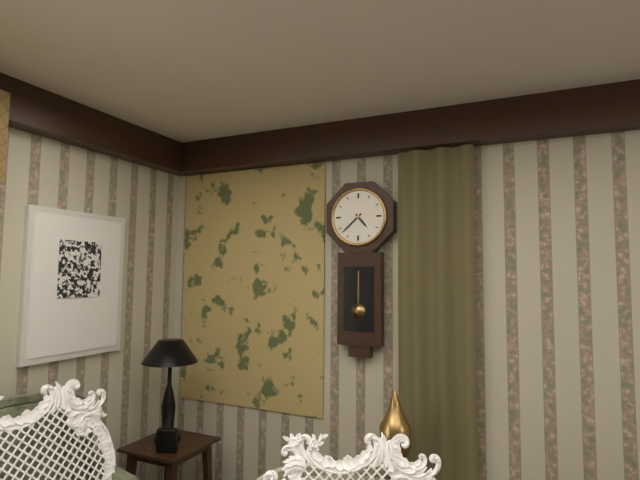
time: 4:38
